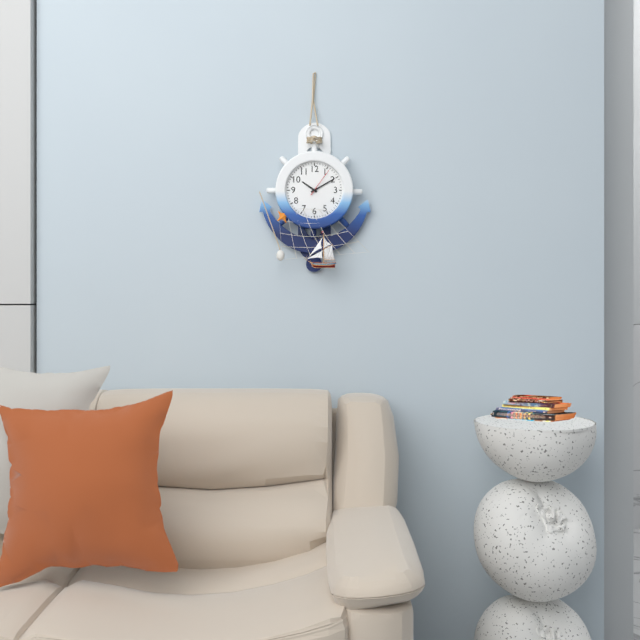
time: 10:10
